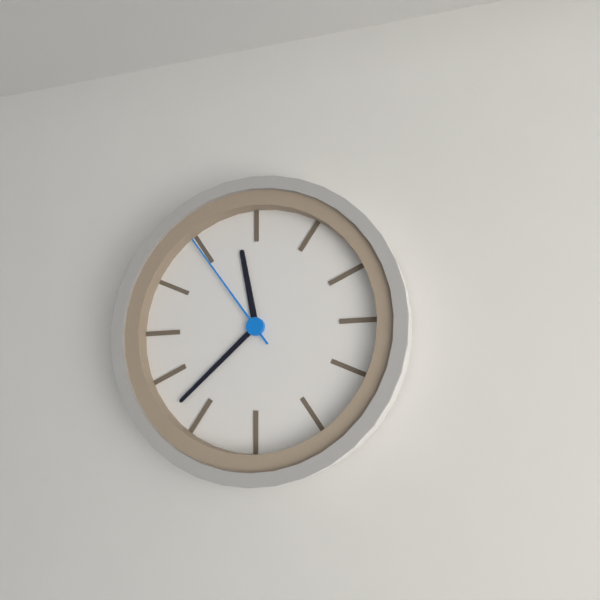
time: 11:38:54
